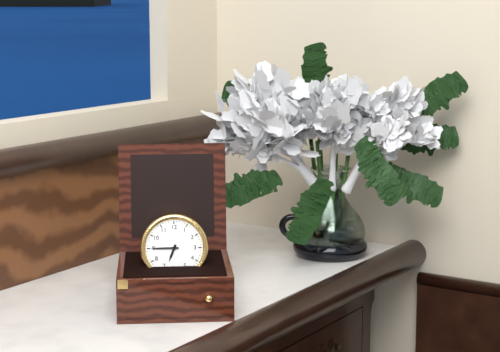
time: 6:45
